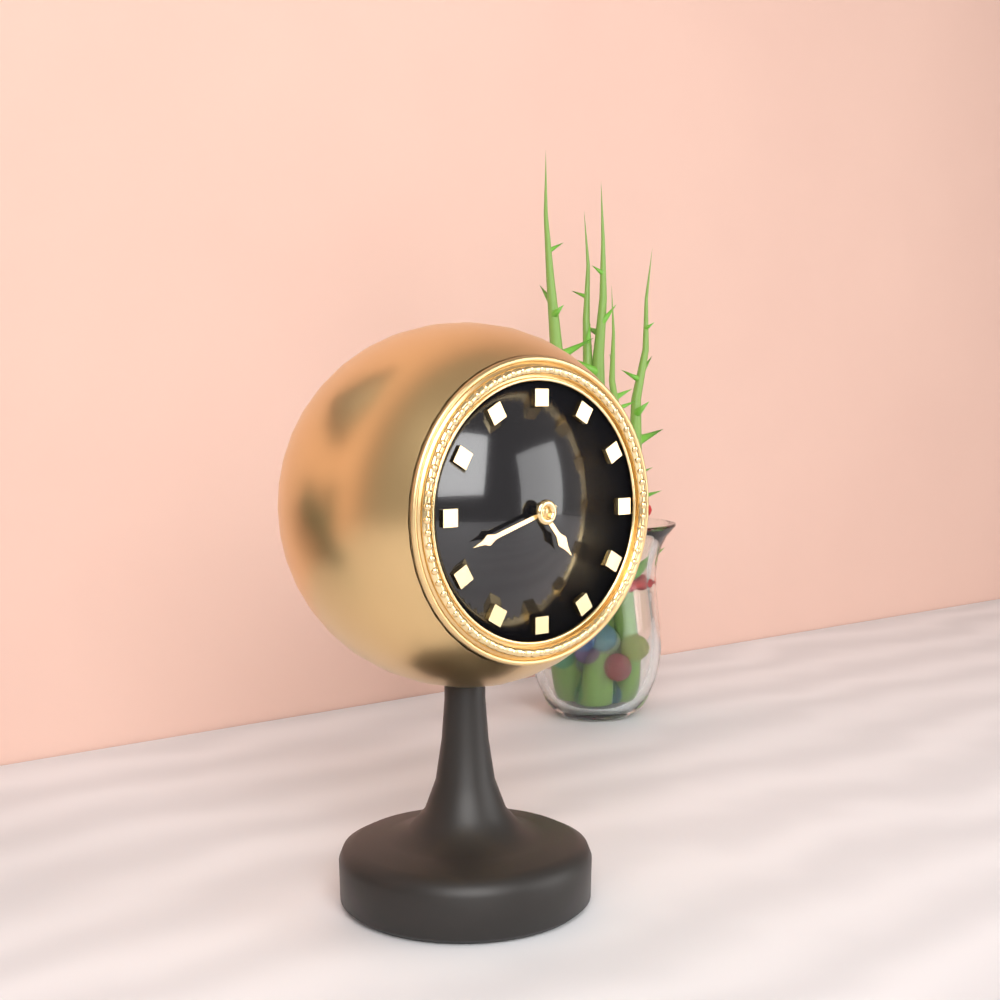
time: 4:42
